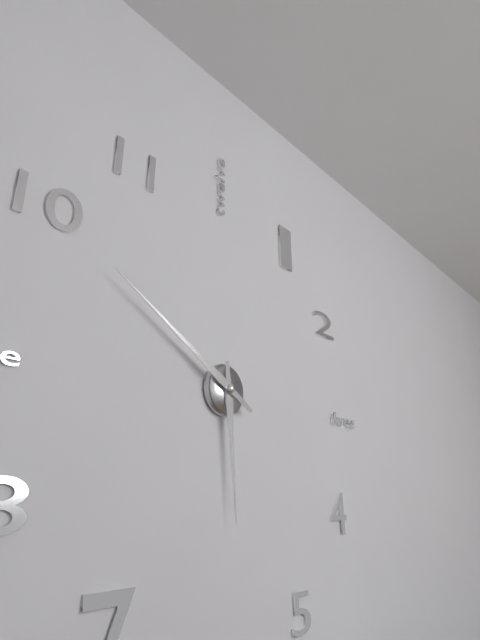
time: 5:50
